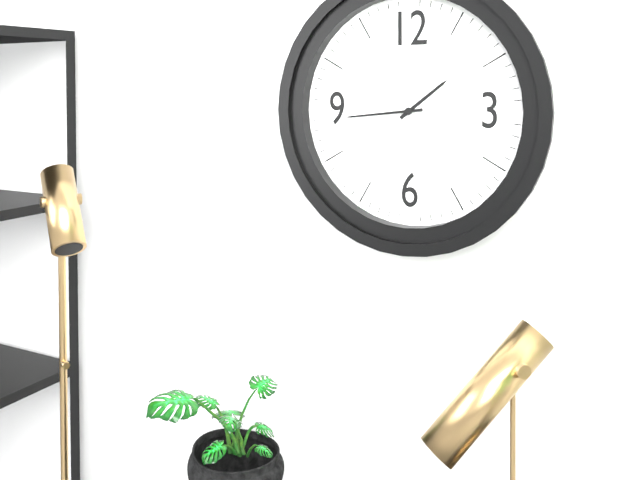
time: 1:44
